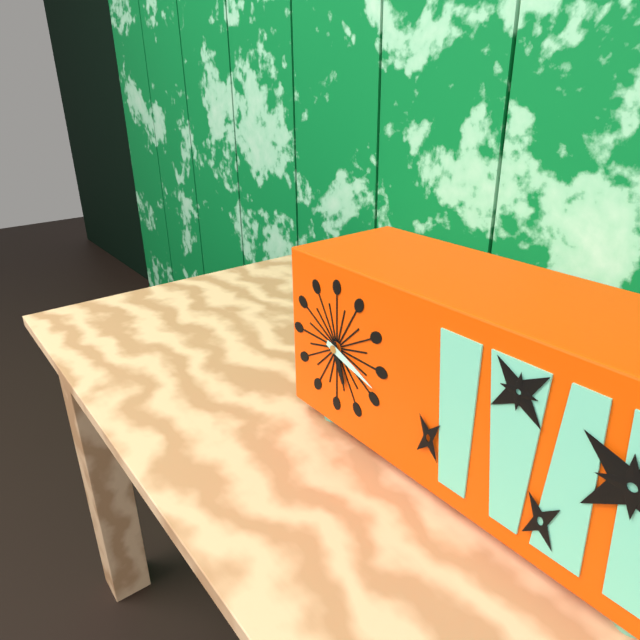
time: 5:18
